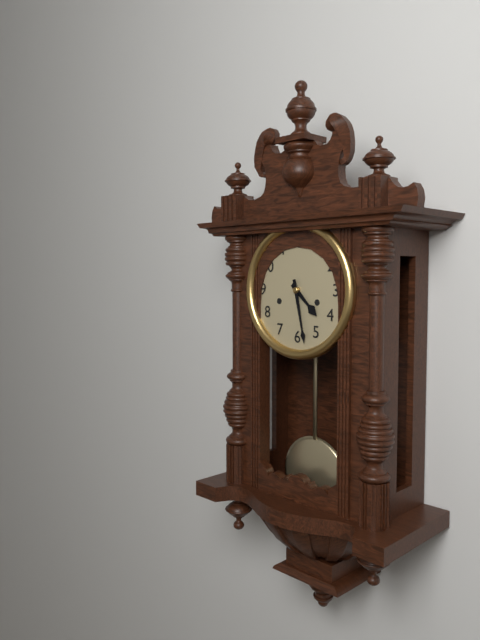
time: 4:28
